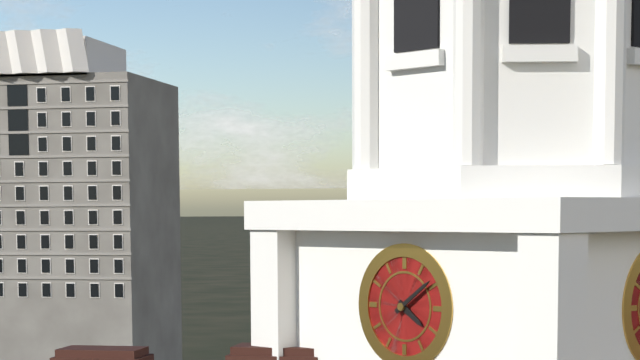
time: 4:09
